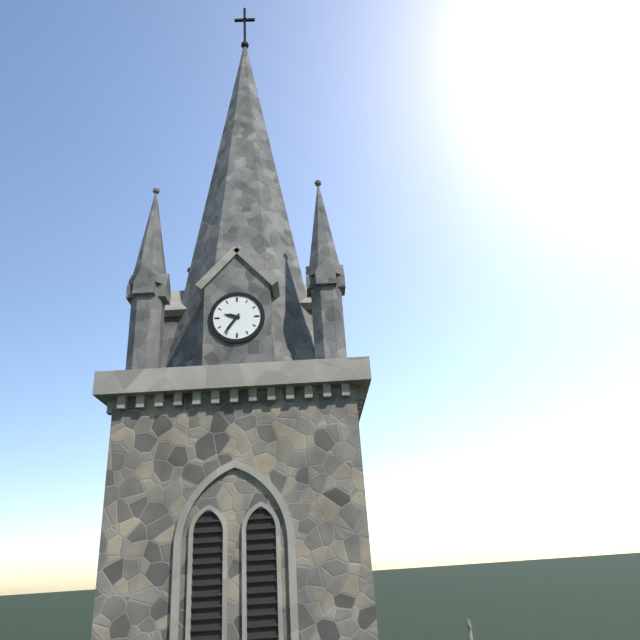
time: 9:36
